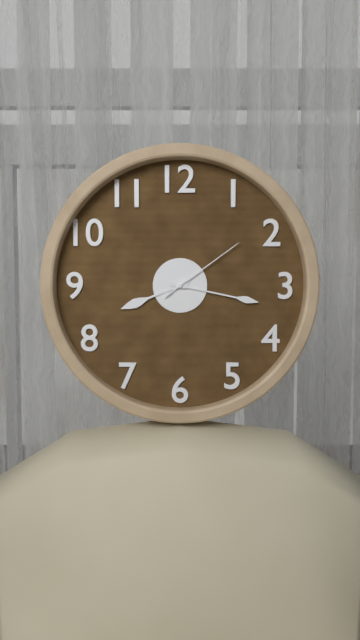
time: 8:17:09
